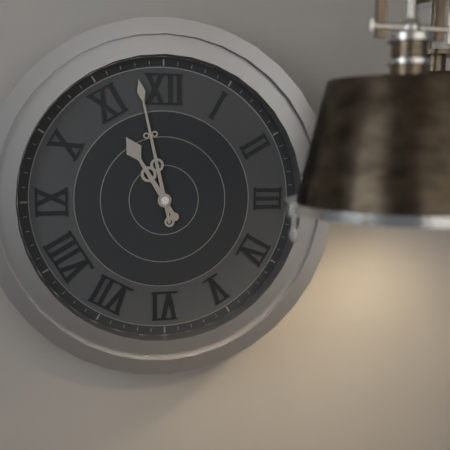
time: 10:58
